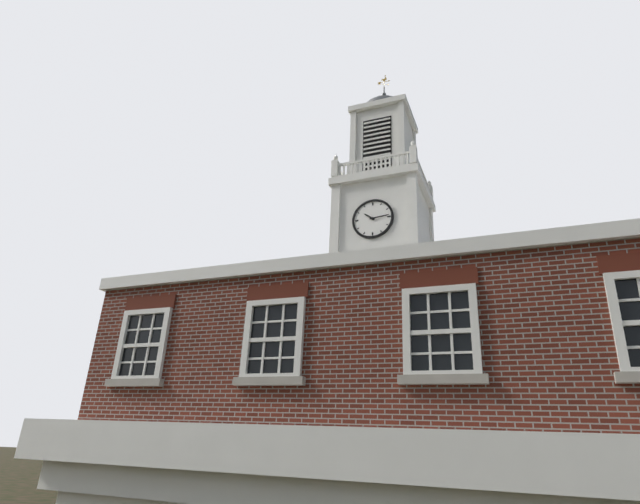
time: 10:14
